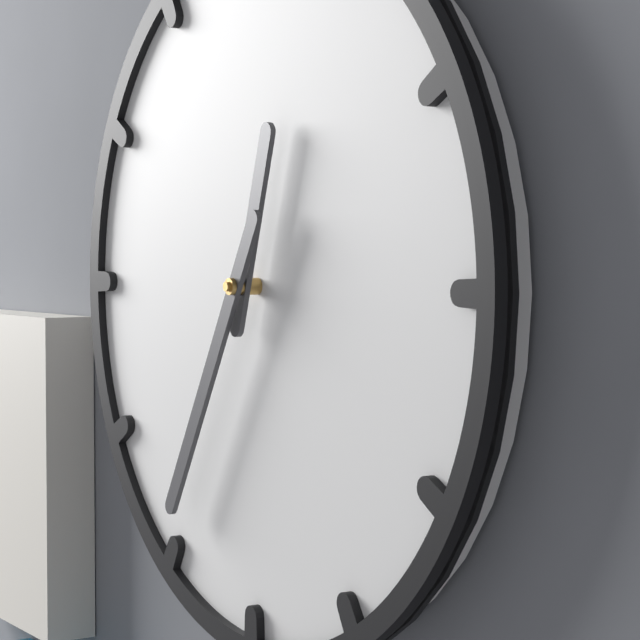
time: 12:35
